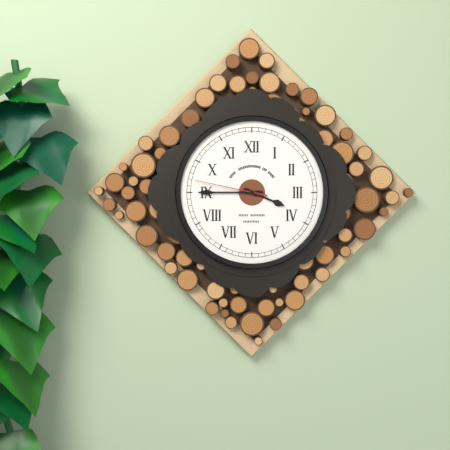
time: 3:45:47
